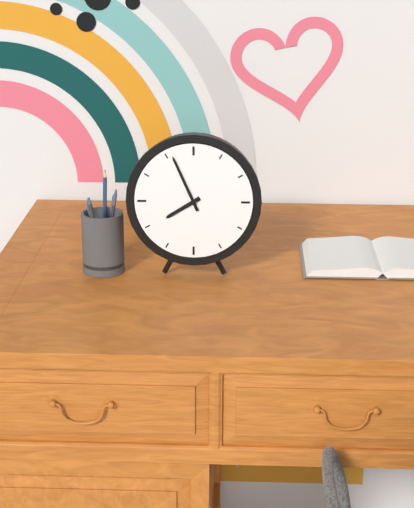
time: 7:56
